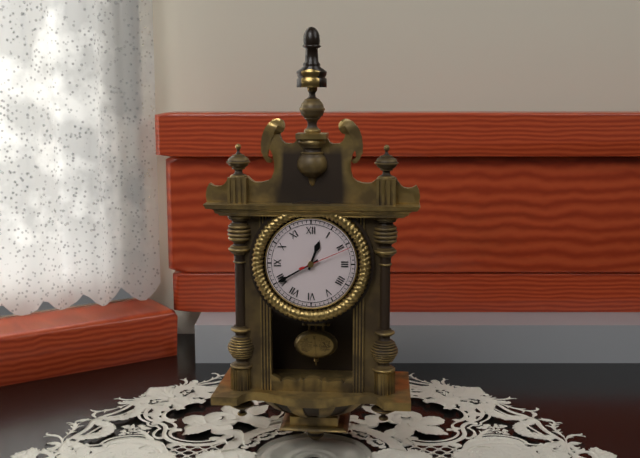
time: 12:40:11
